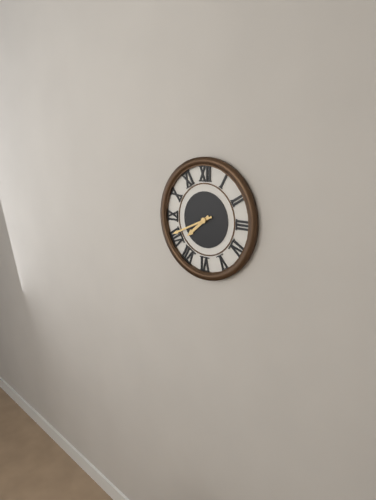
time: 7:41
